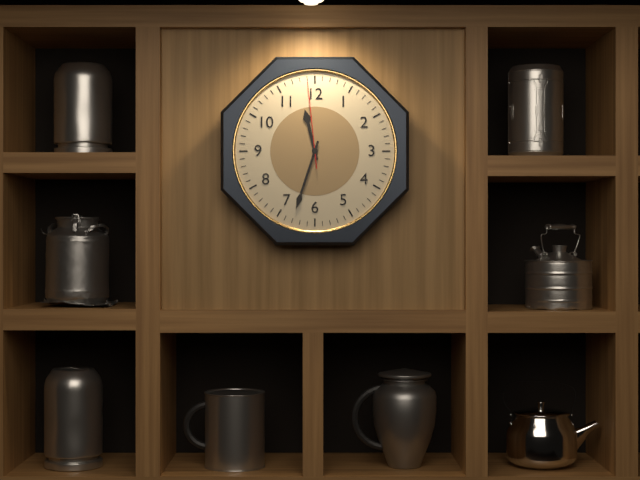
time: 11:33:59
